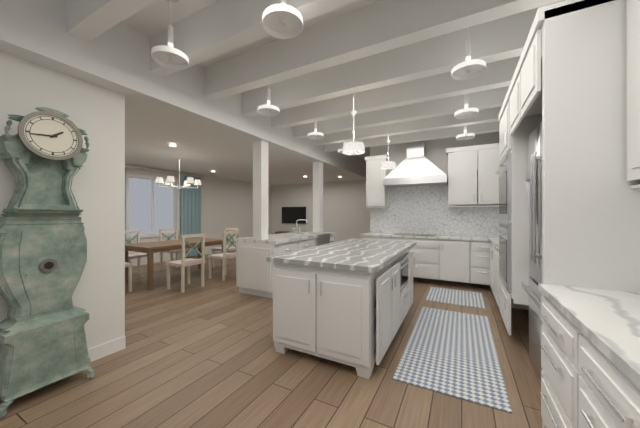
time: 1:44
